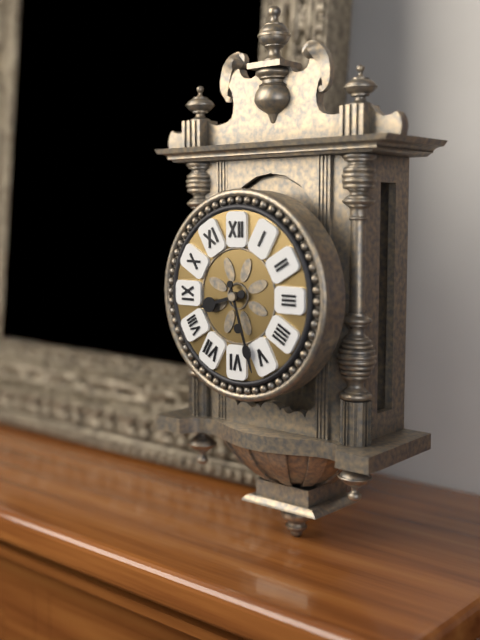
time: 8:27
